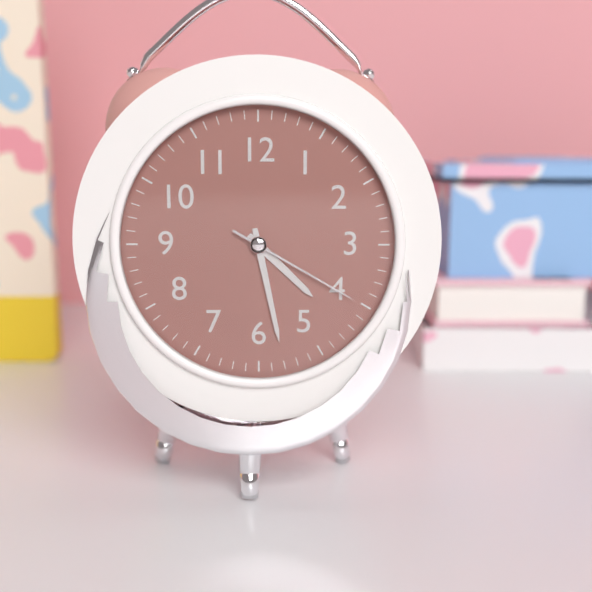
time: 4:28:20
